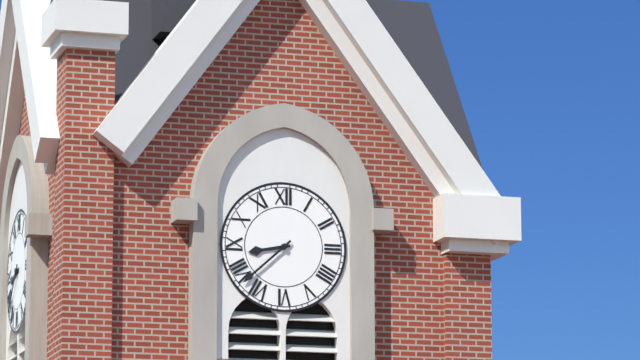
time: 8:38
